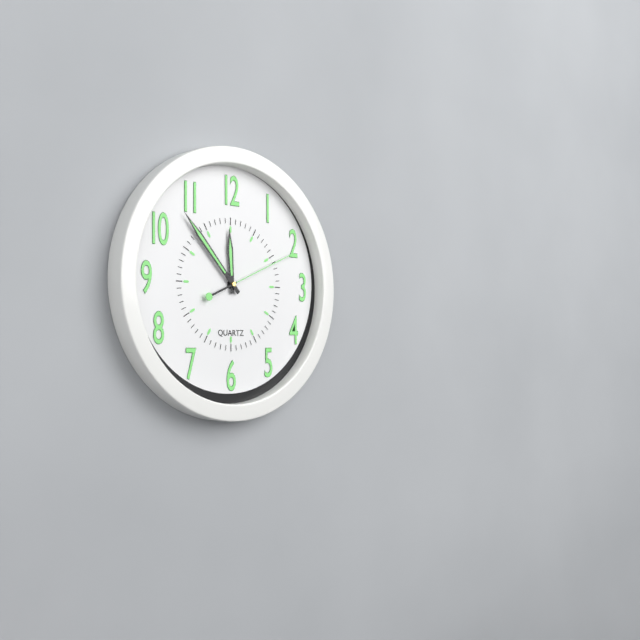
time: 11:53:11
